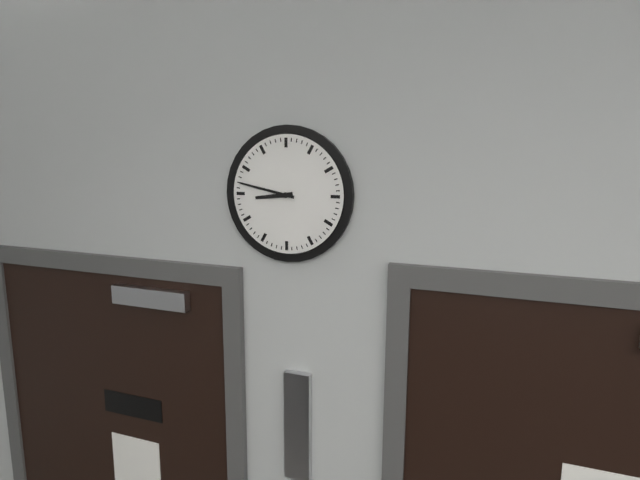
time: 8:47
